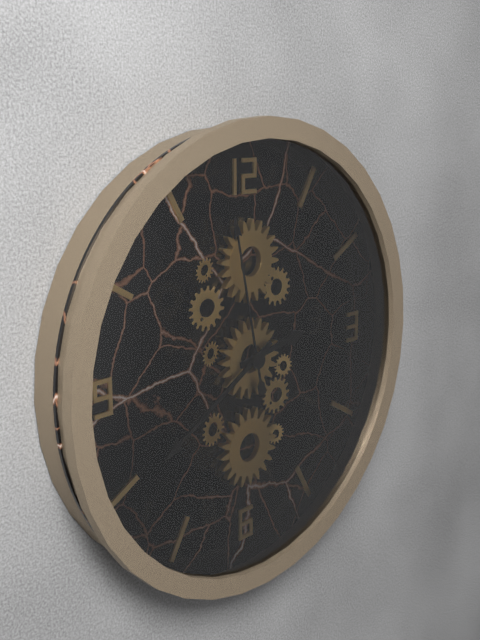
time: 2:40:58
